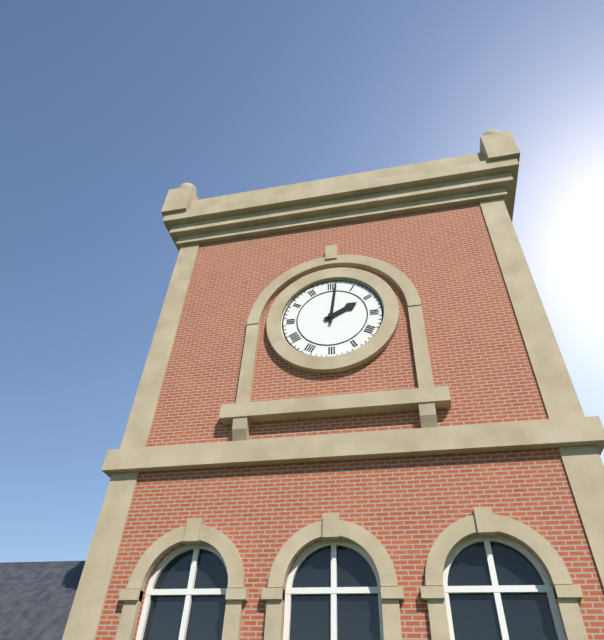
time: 2:01
